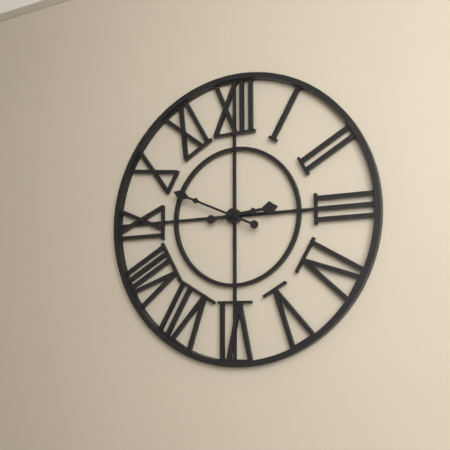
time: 2:49
